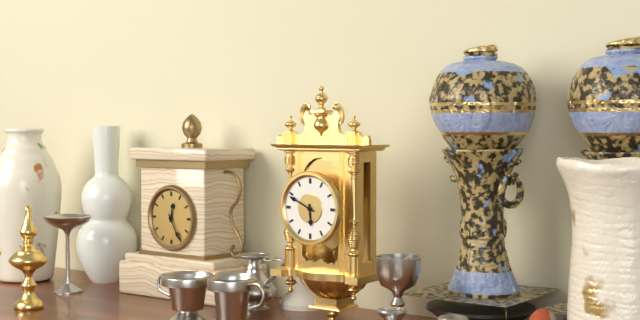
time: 5:49
